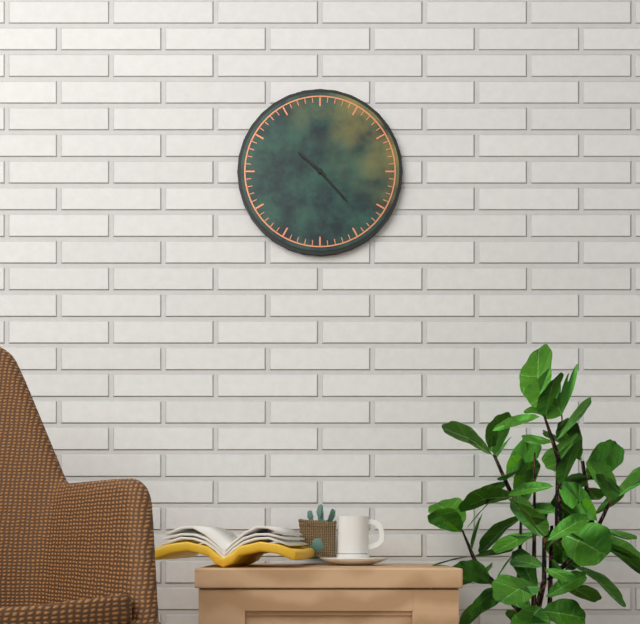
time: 10:23
